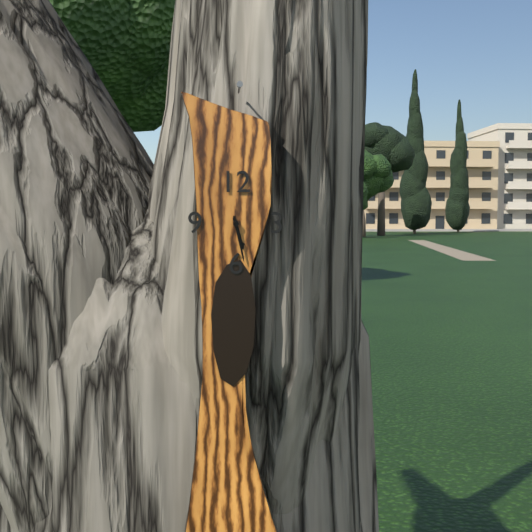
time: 5:28
